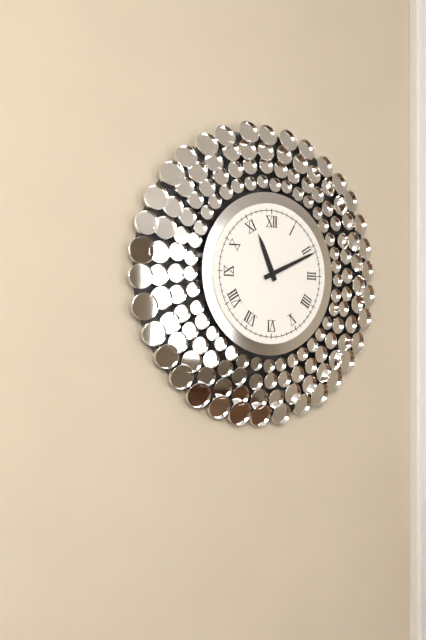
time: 11:11
